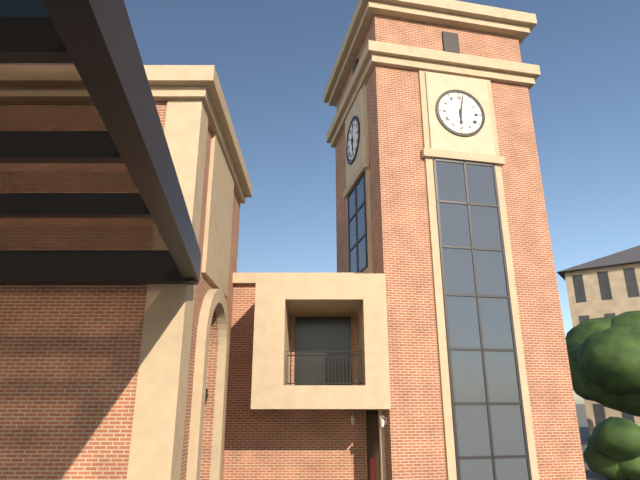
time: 6:02
